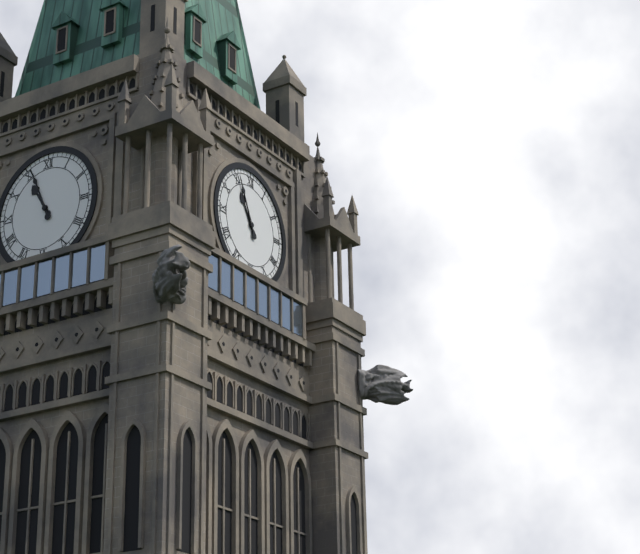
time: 10:56
